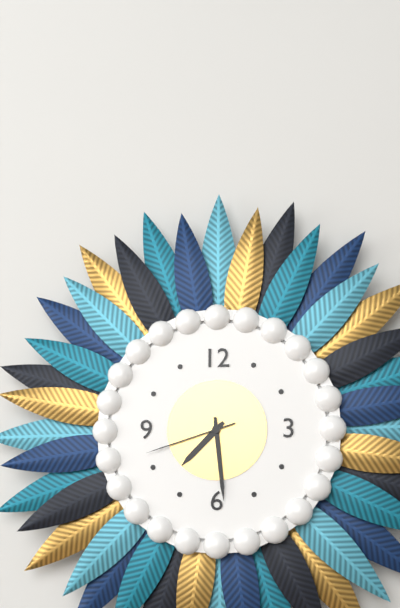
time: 7:29:42
